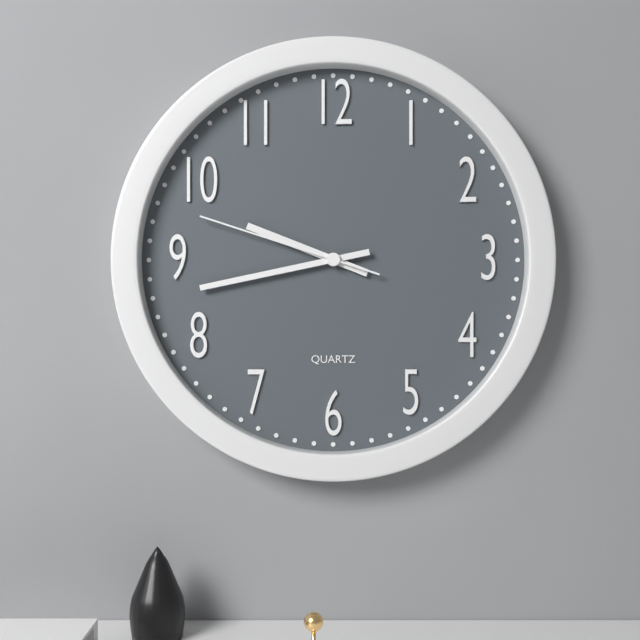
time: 9:43:48
